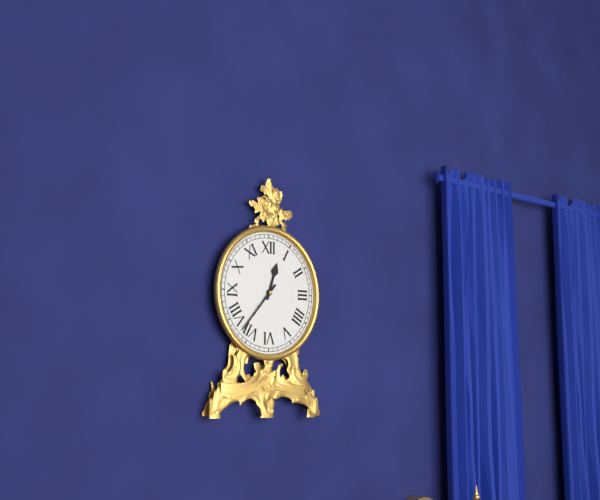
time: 12:37
